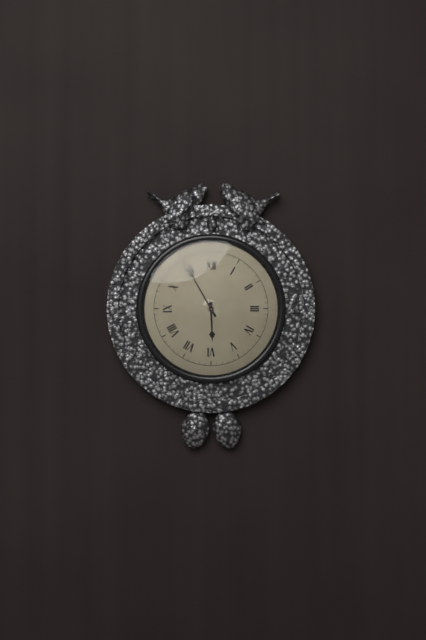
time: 5:55
